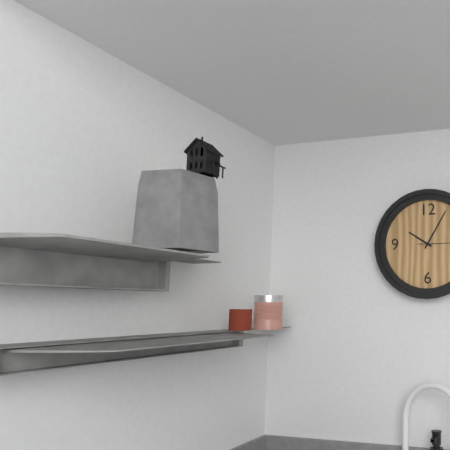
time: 10:05
